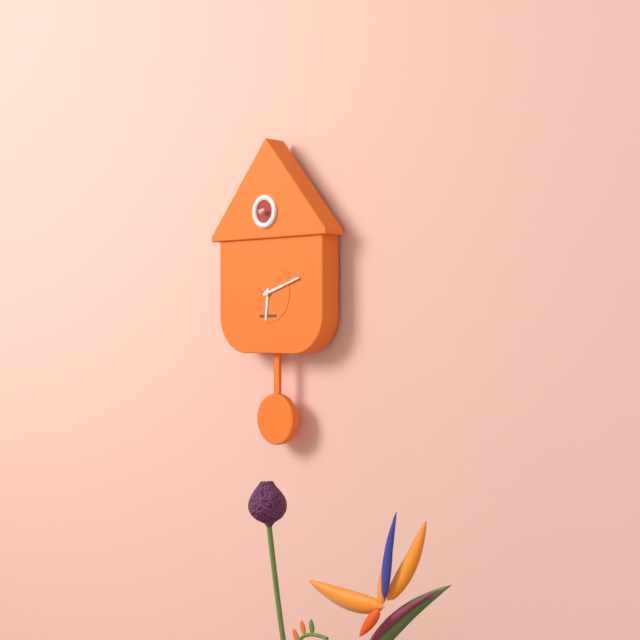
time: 6:12
